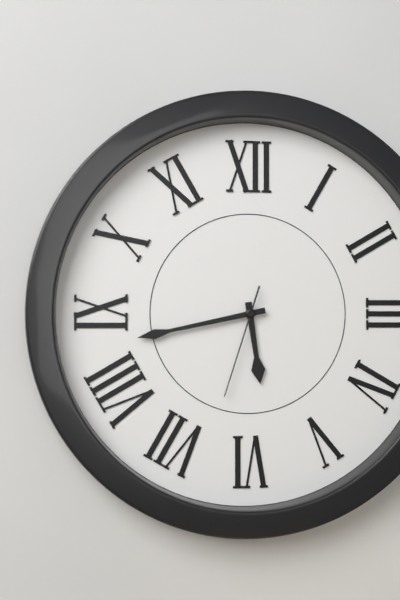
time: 5:43:33
